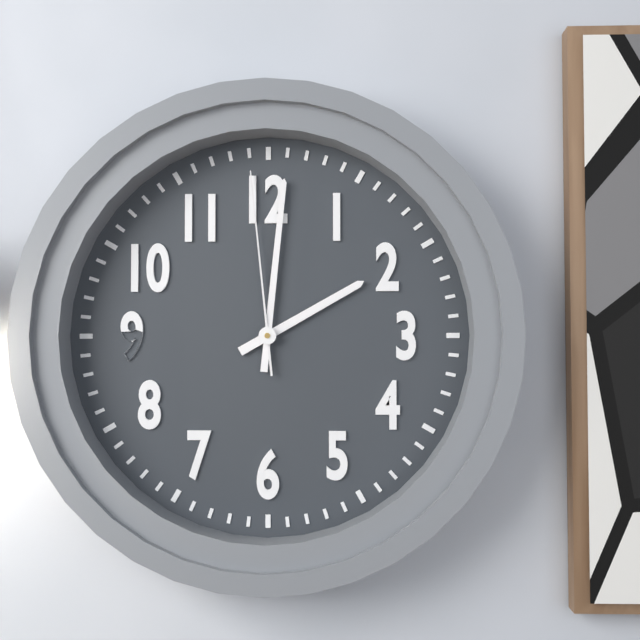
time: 2:01:59
